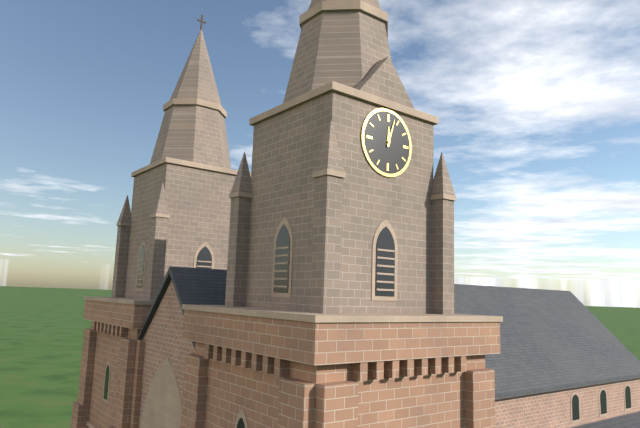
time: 12:03
